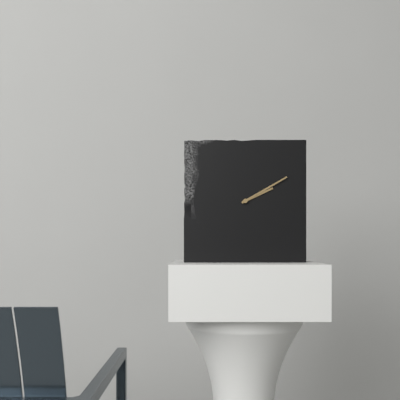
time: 2:10
